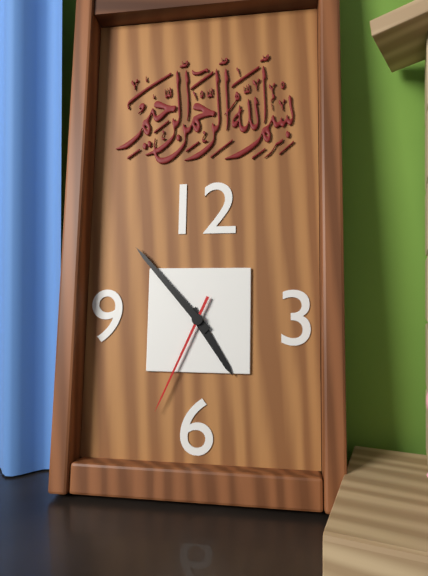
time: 4:53:34
